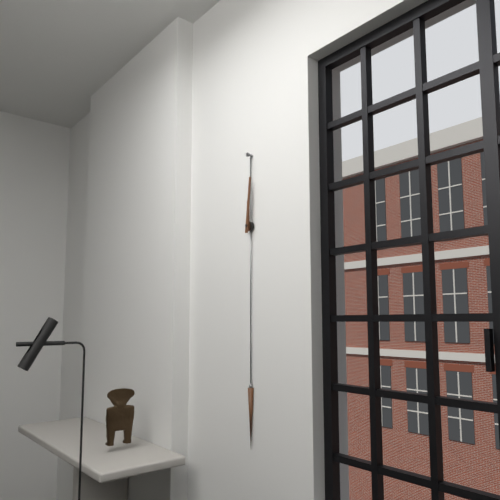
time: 12:01
